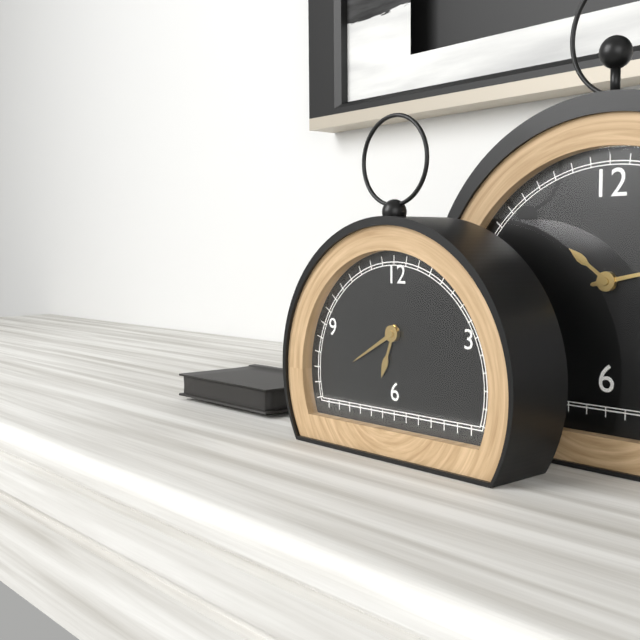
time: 6:40
